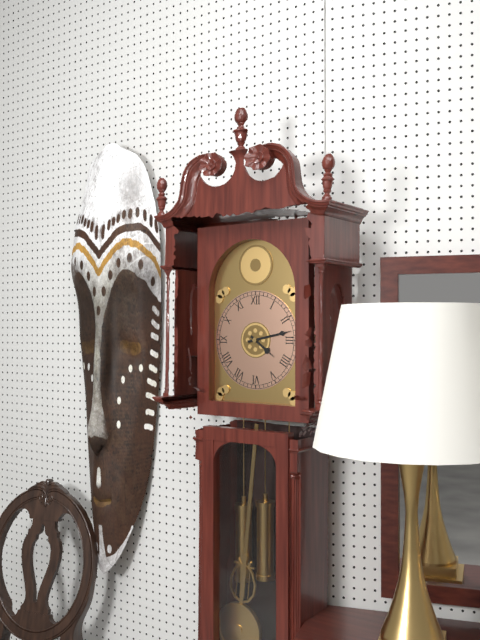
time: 4:13
